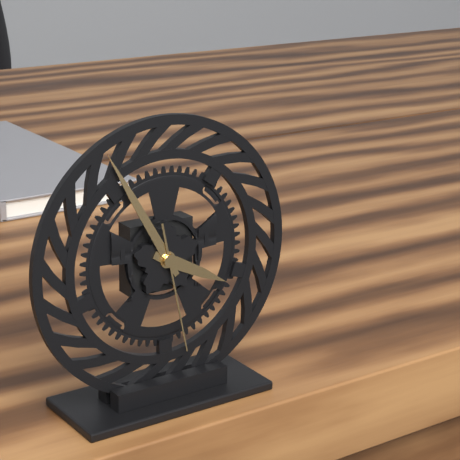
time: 3:55:28
